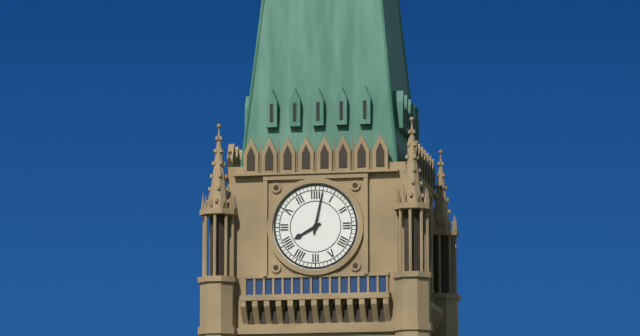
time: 8:02
